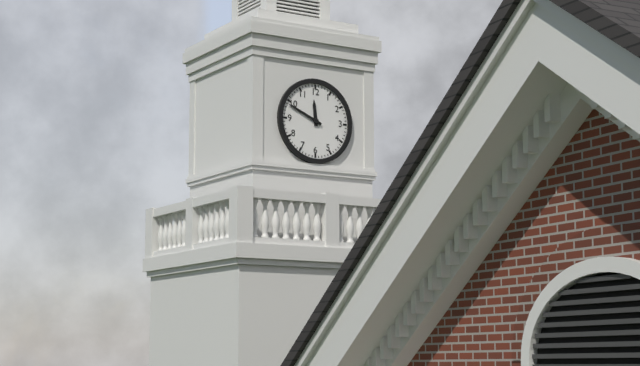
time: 11:49
